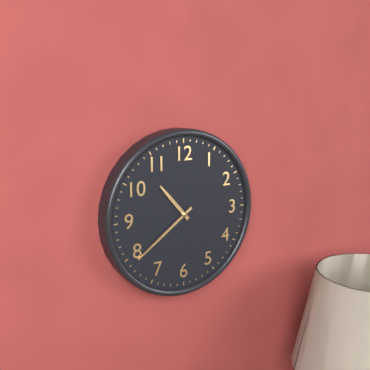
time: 10:39
